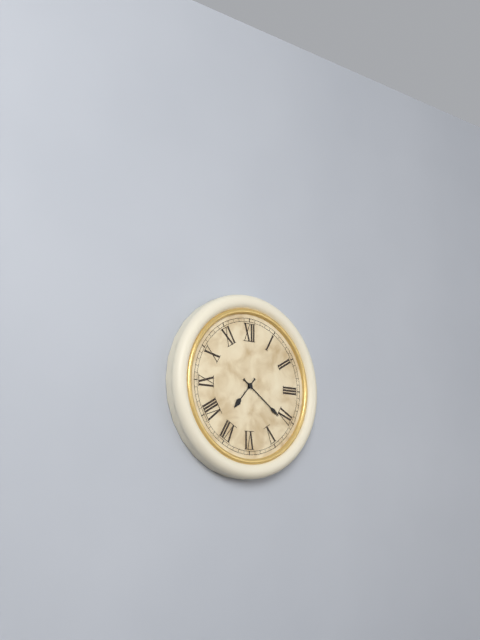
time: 7:21
